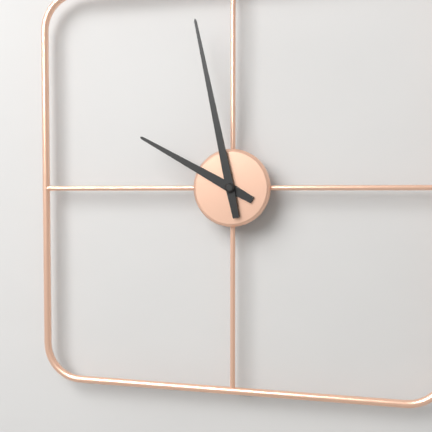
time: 9:58
